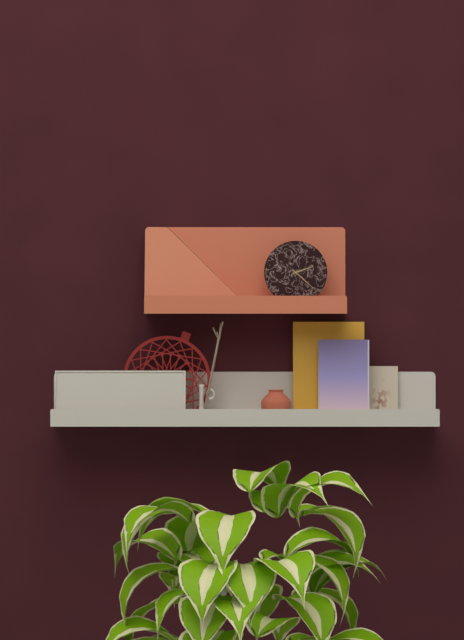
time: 2:22
